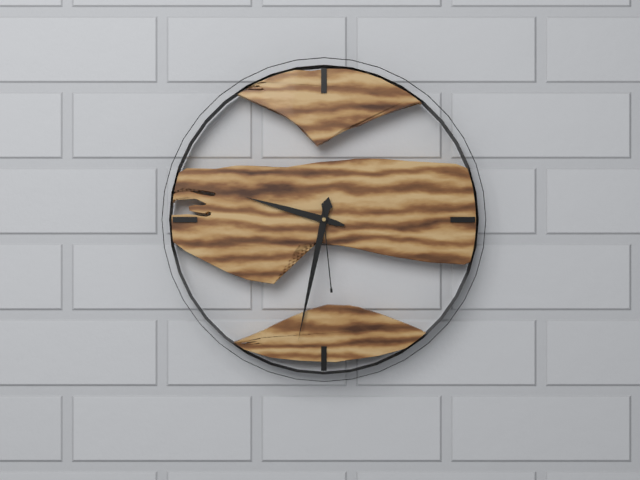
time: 9:32:29
